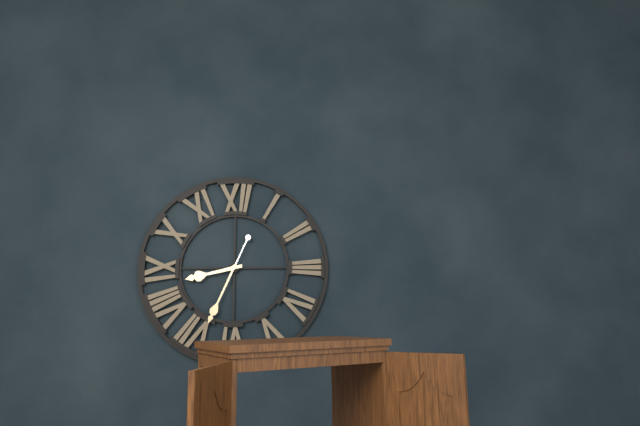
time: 8:34
